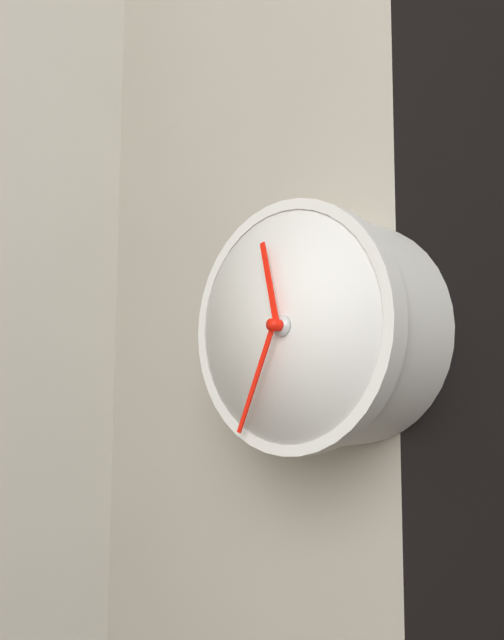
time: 11:34
